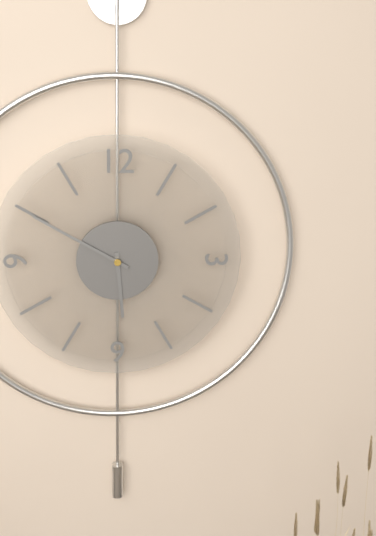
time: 5:50
